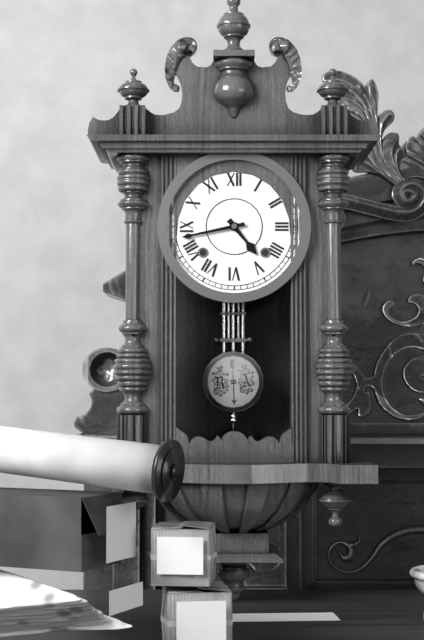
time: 4:43
